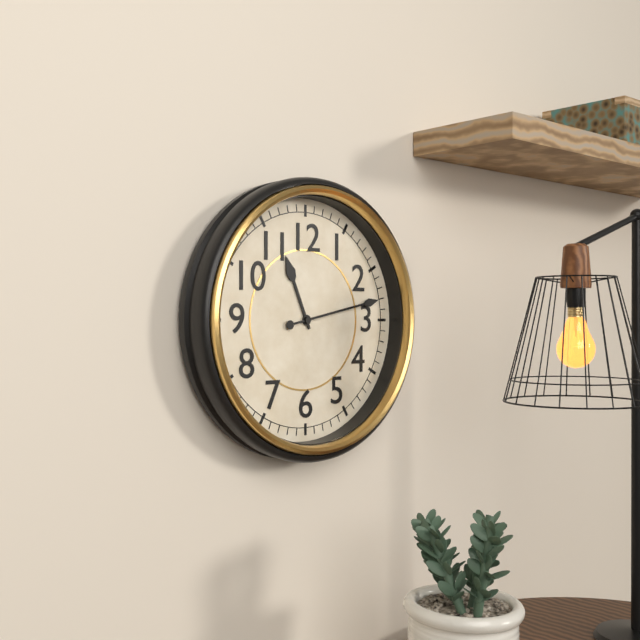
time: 11:13
